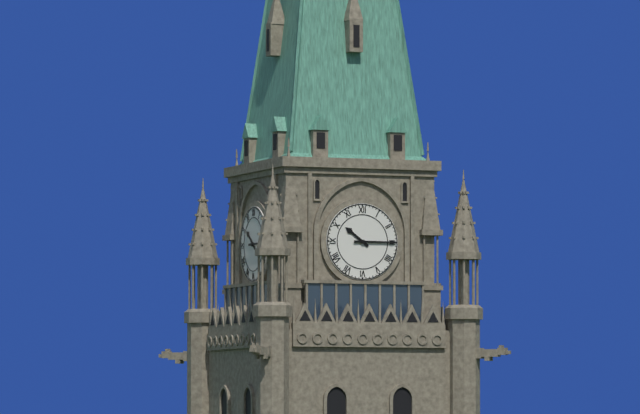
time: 10:15
